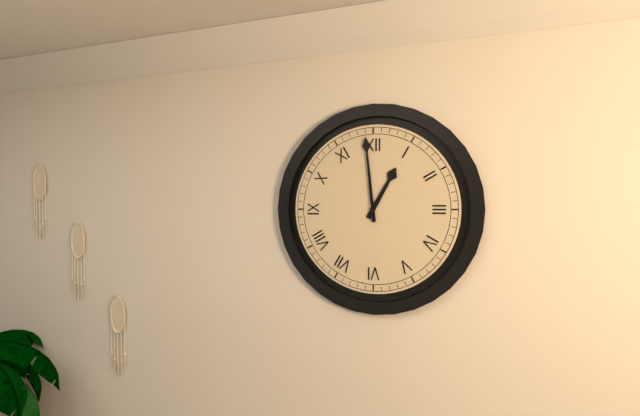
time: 12:59
